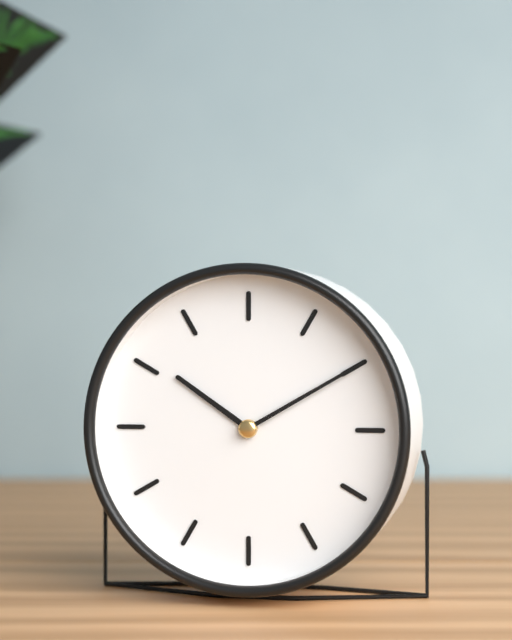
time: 10:10
